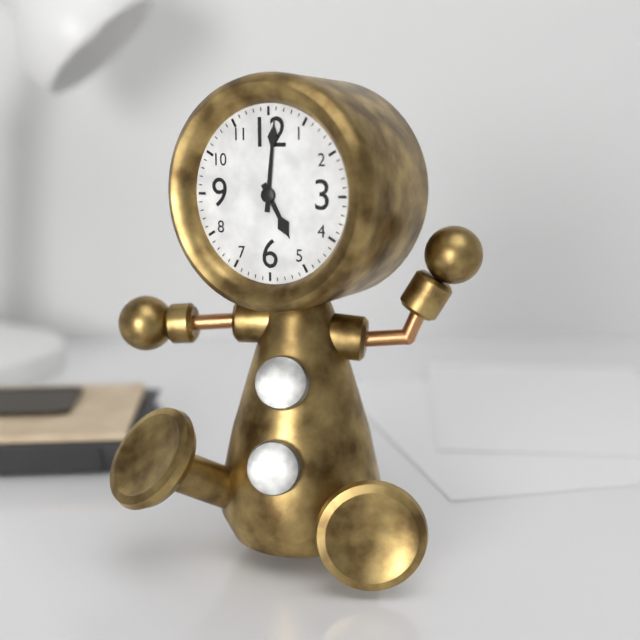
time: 5:01
